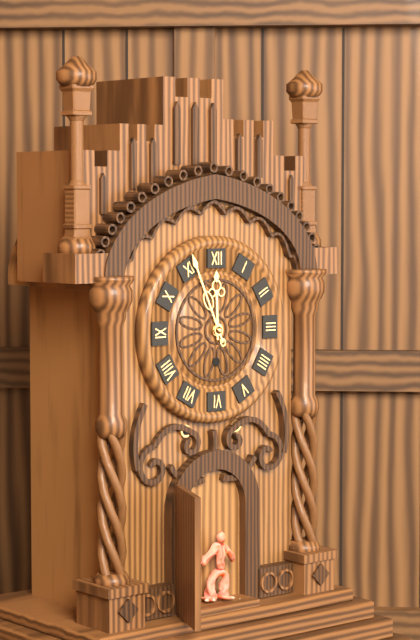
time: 11:56
